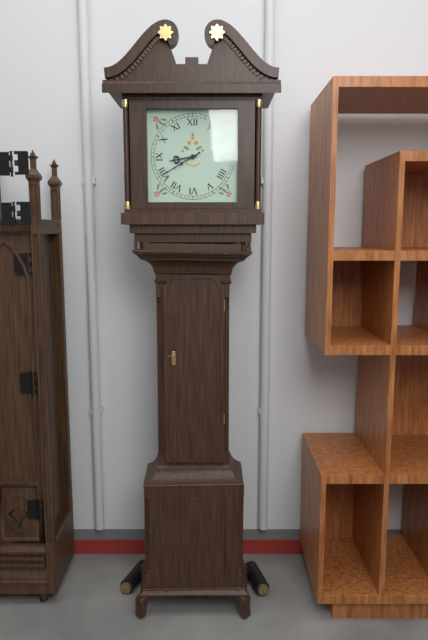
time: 8:40
